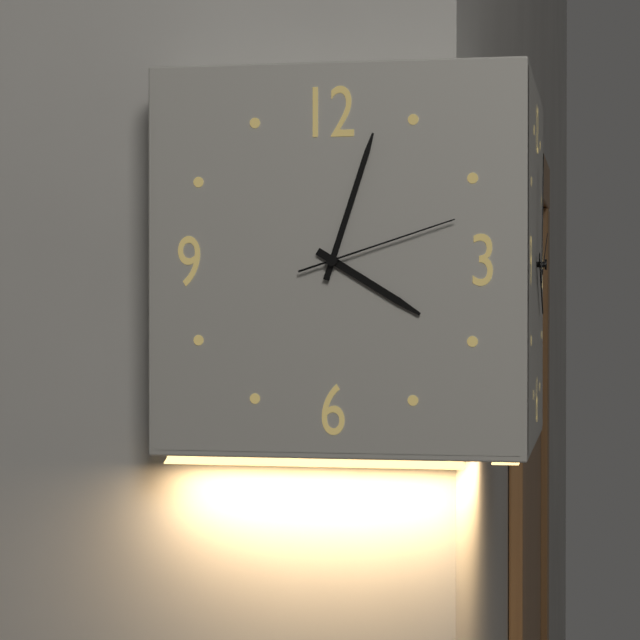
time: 4:03:12
